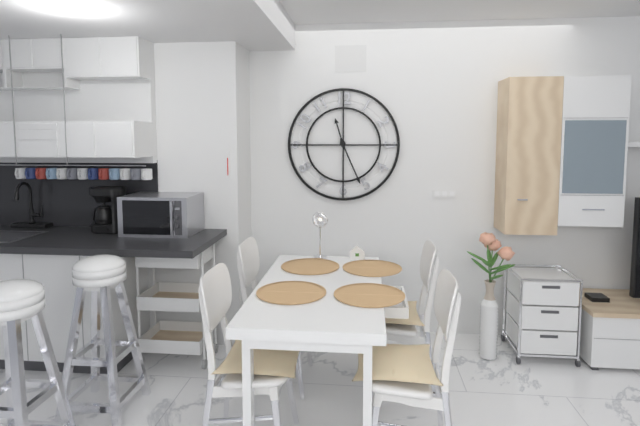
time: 11:26
